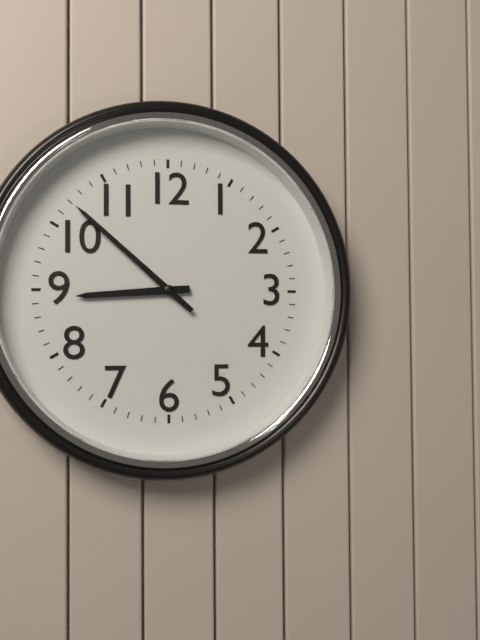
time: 8:52
